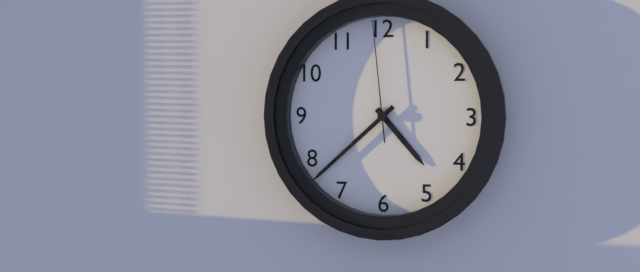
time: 4:38:59
